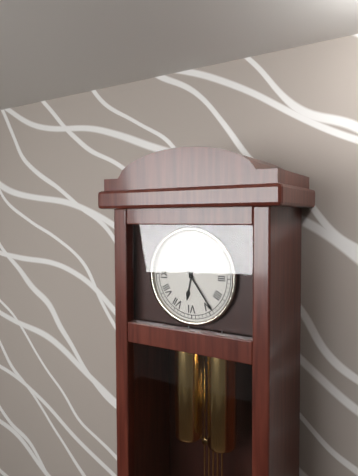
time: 6:24
